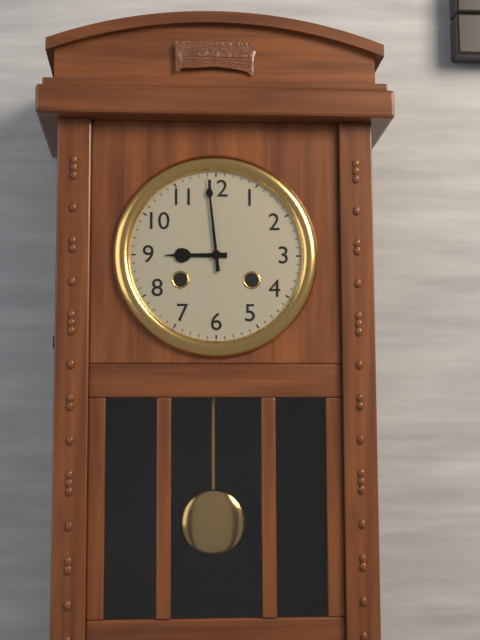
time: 8:59
